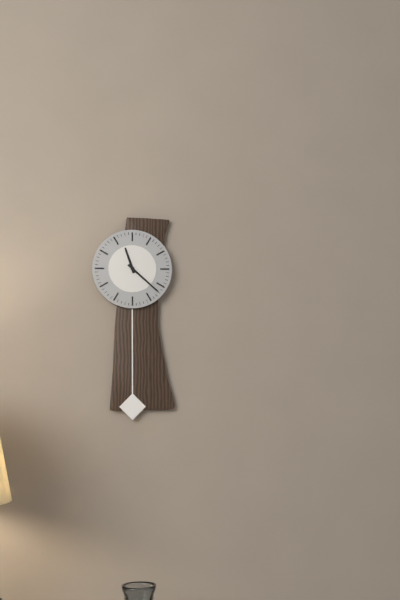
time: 11:22
